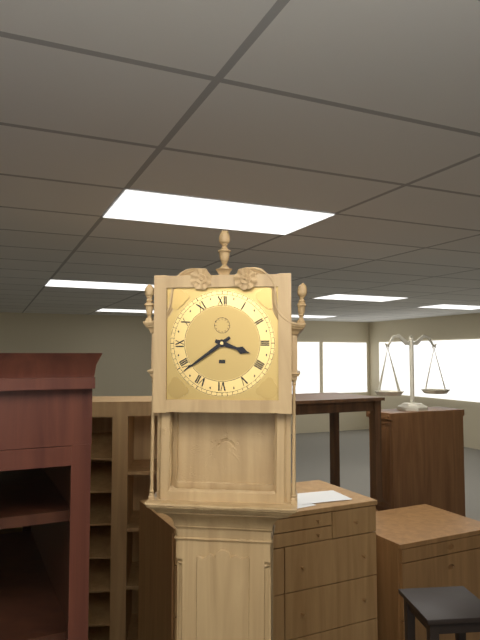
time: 3:39
